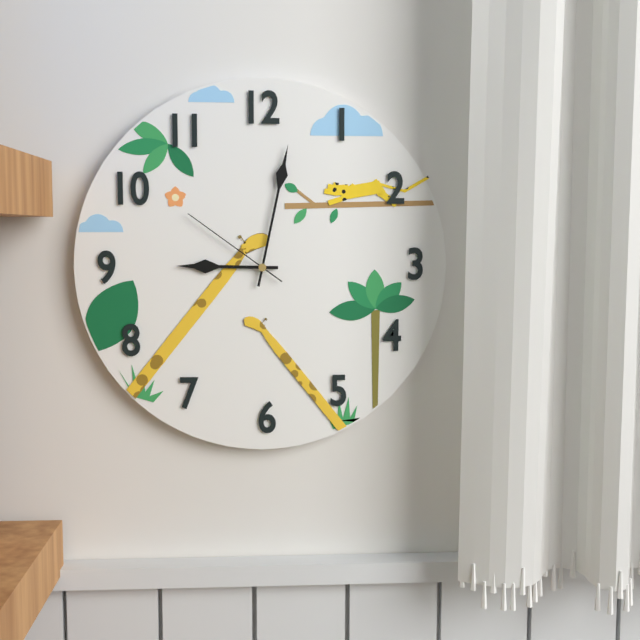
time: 9:02:51
